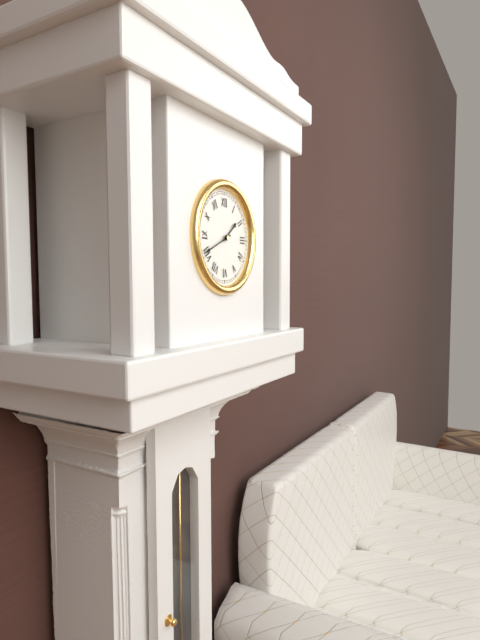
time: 1:41
